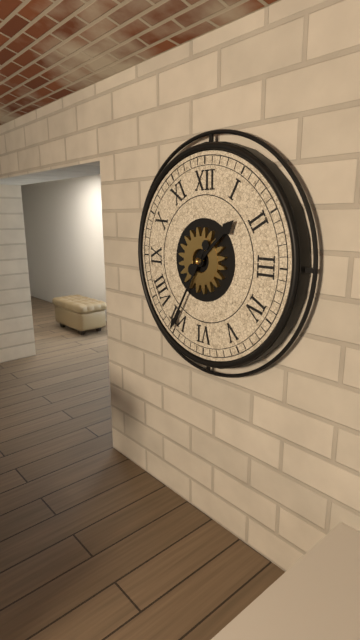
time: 1:35
